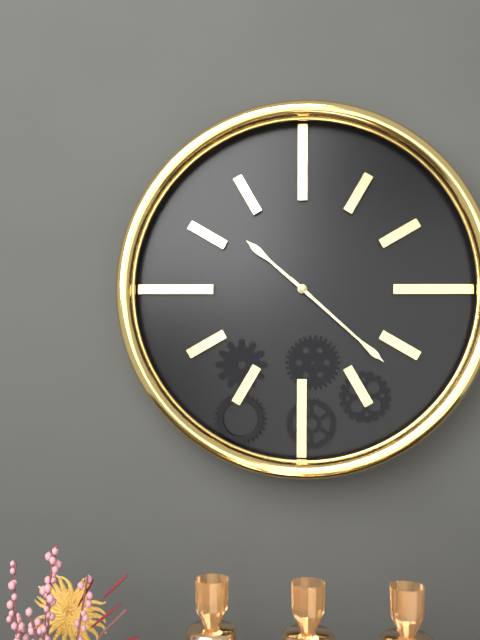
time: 10:22
